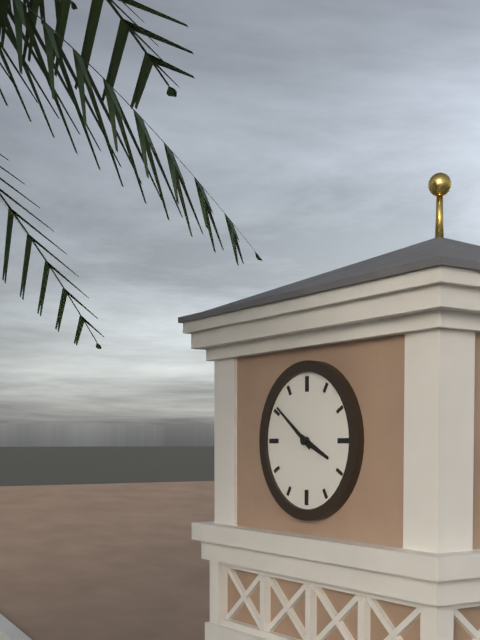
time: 3:51
